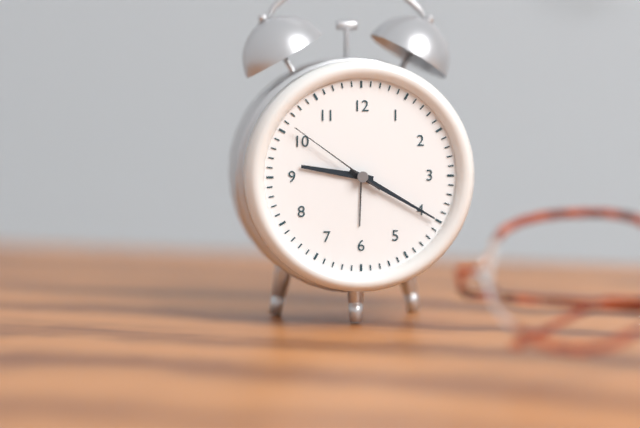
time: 9:20:51
